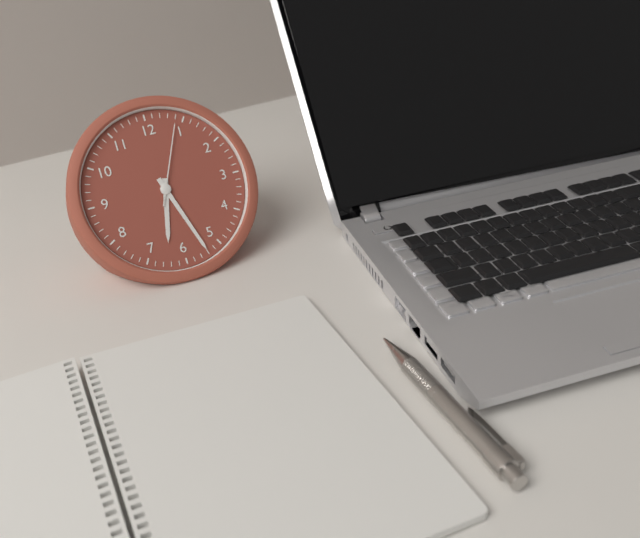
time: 6:27:04
